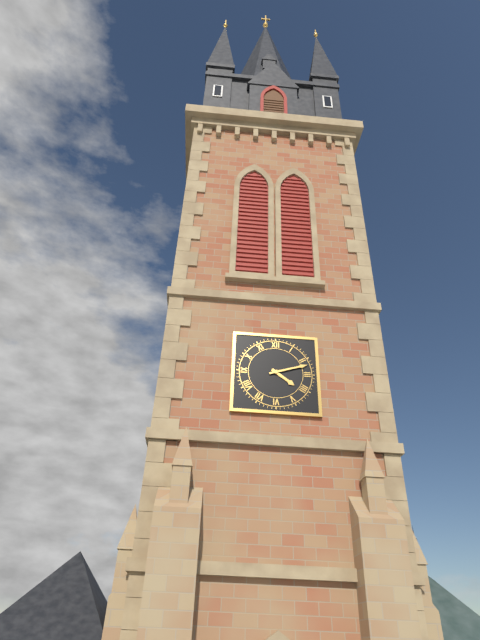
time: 4:12
